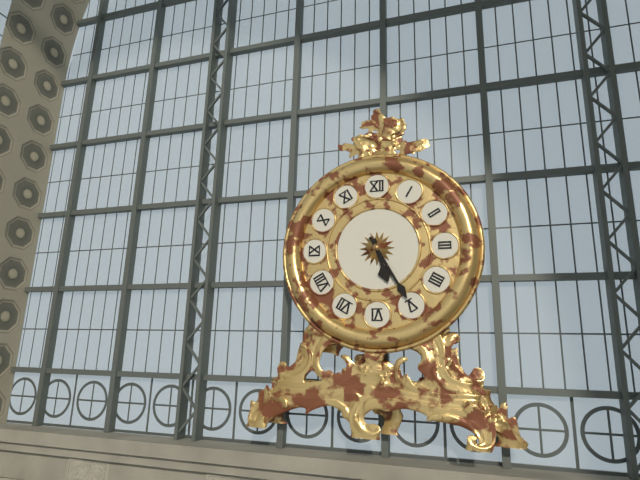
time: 5:25
